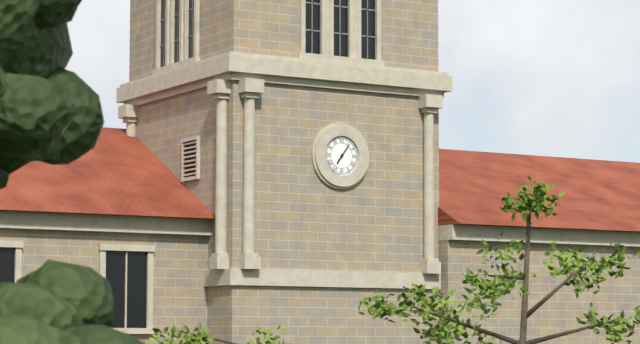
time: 7:06
